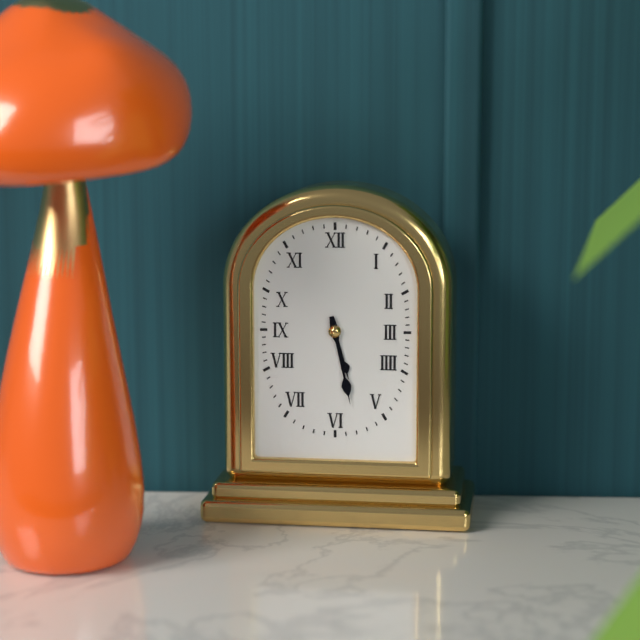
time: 5:28
